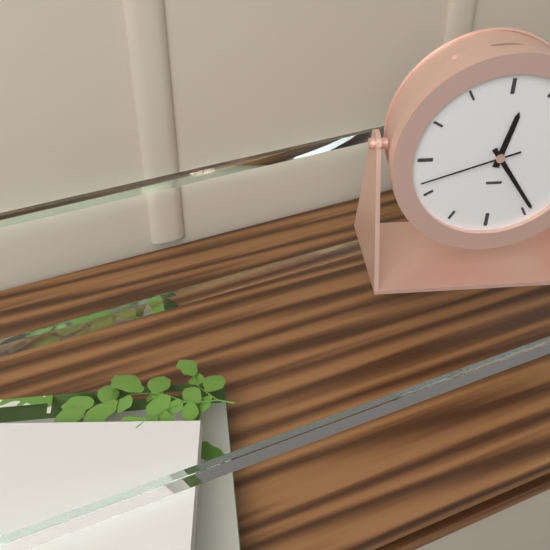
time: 12:24:42
